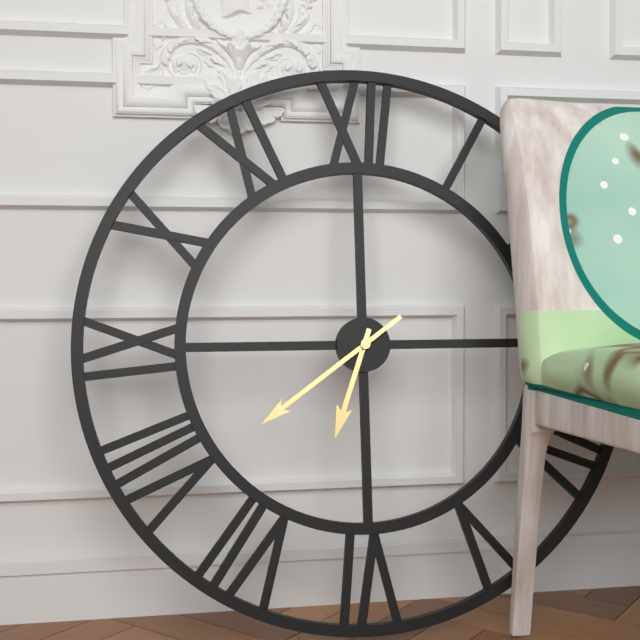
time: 6:39
